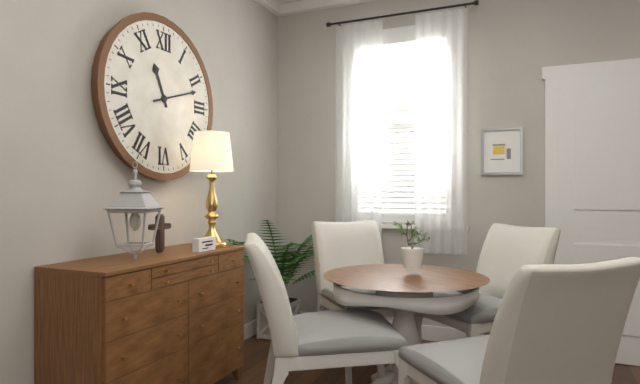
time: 11:12
